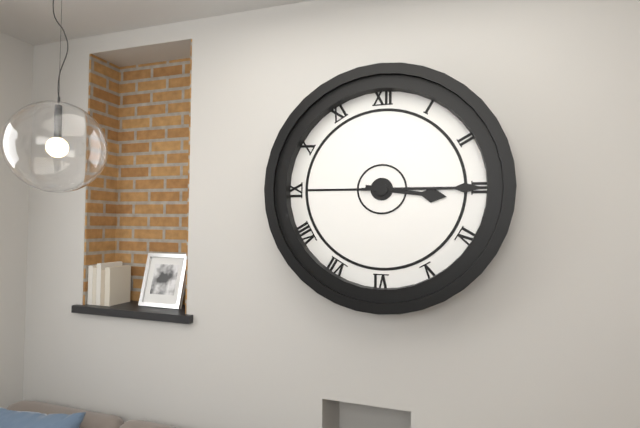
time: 3:15
